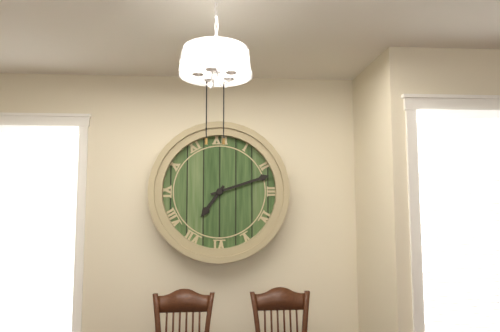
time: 7:12
